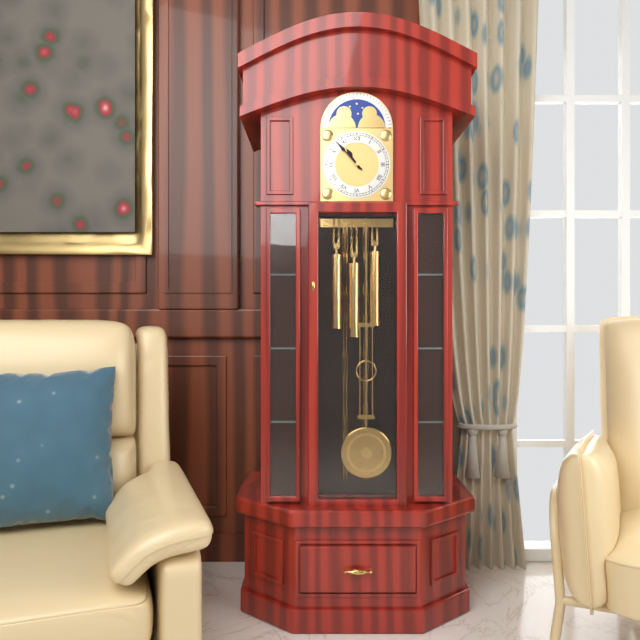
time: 10:53
